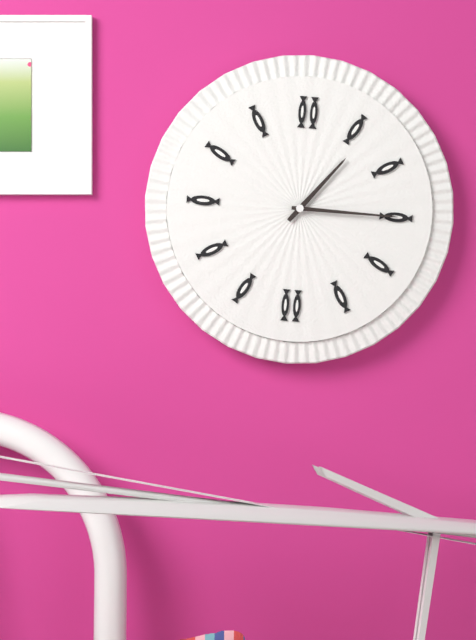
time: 1:15
